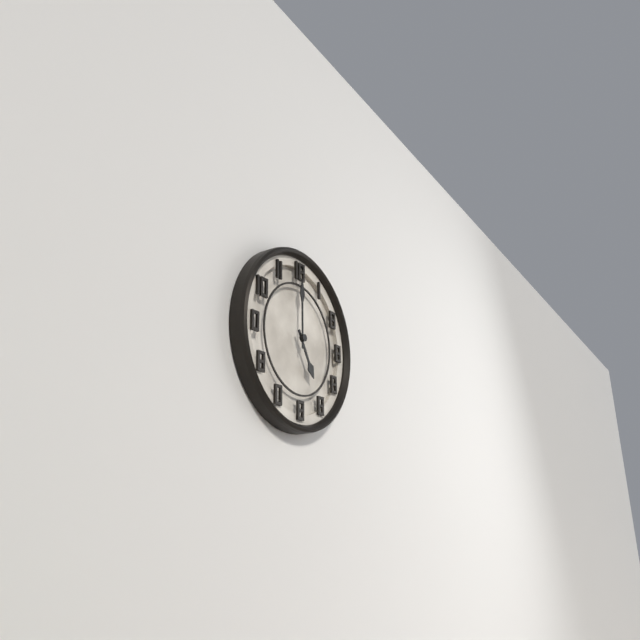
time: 5:00
